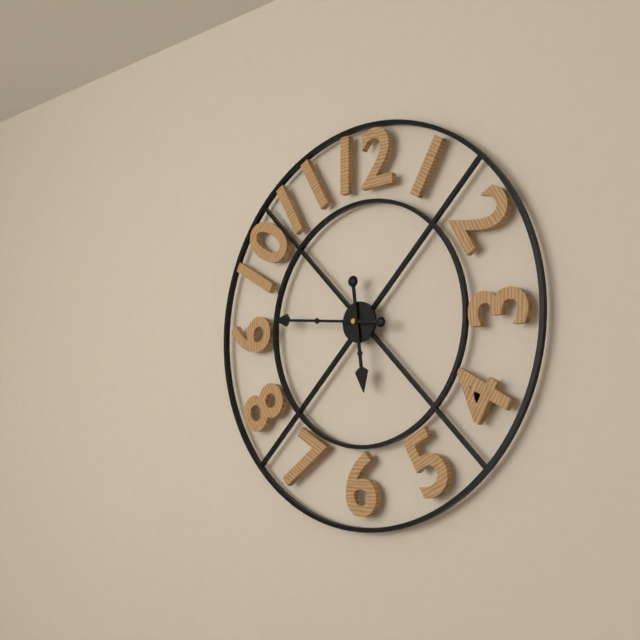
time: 5:46
